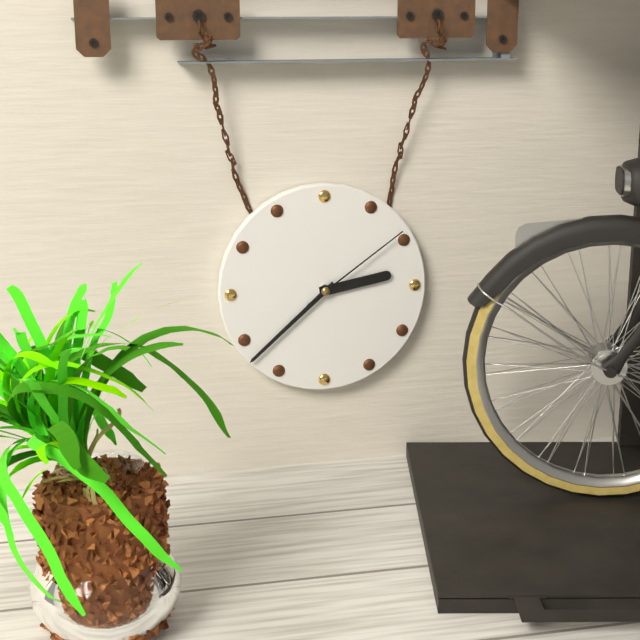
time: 2:38:09
